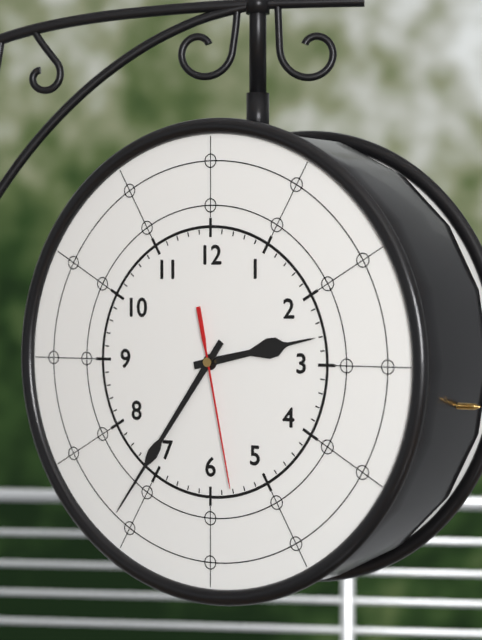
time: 2:36:28
